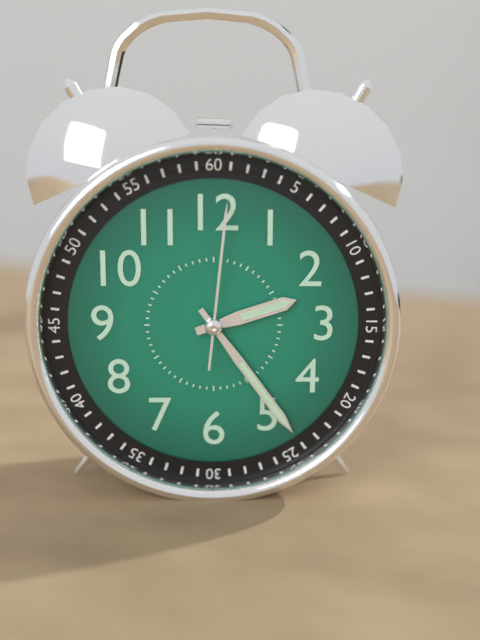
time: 2:24:01
